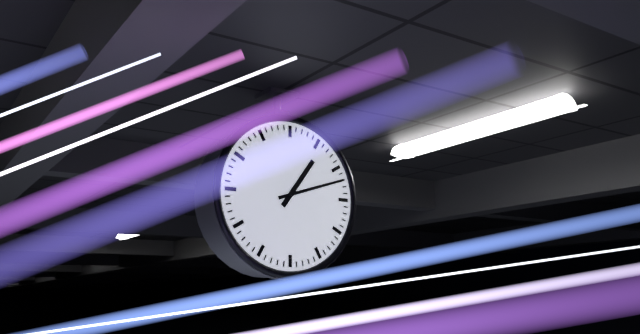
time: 1:12
